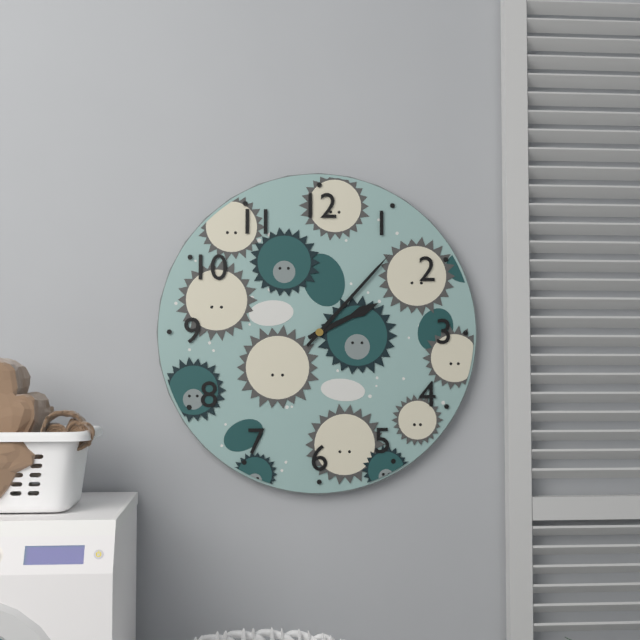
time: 2:07
